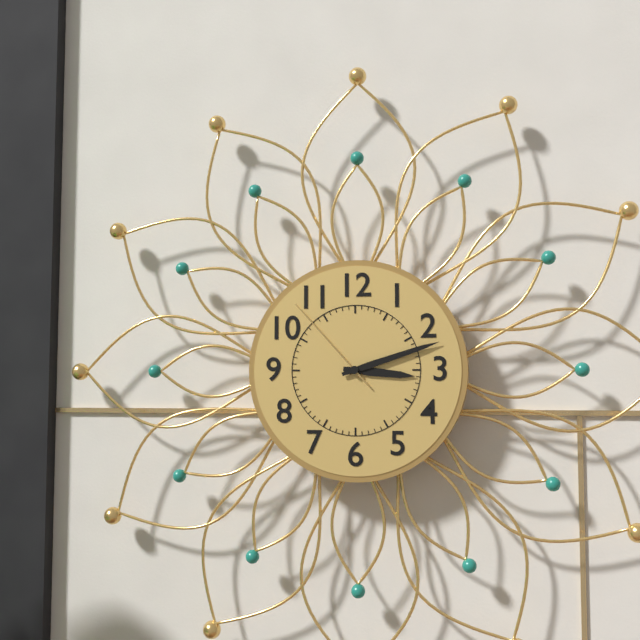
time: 3:12:53
